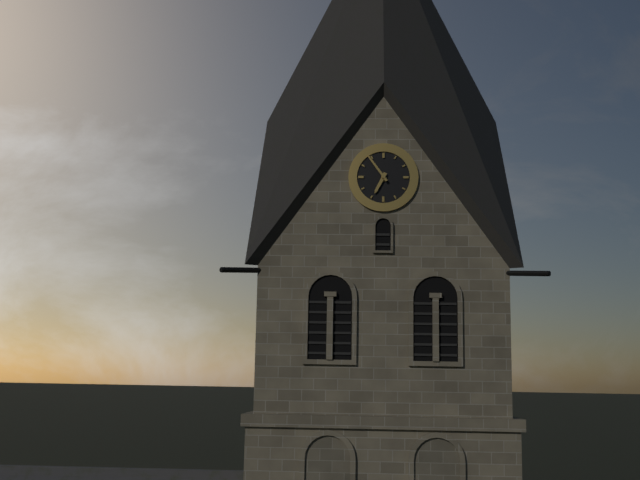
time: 6:54
